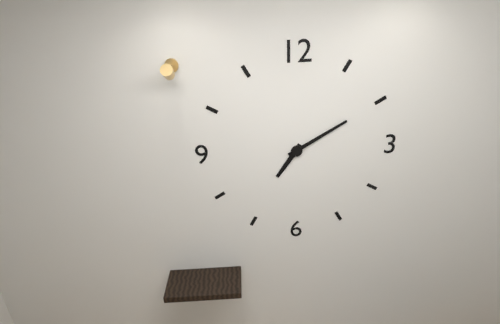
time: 7:10
